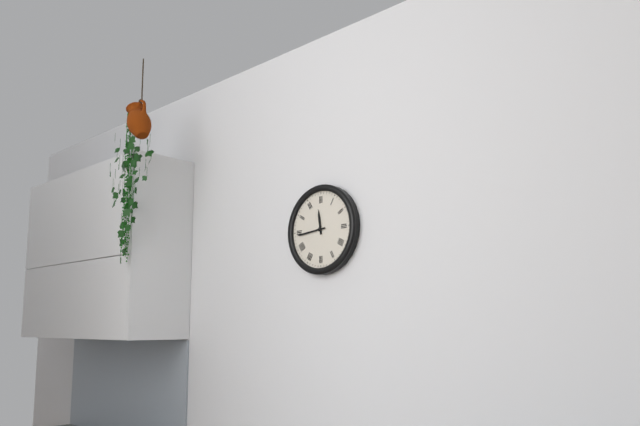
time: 11:44
